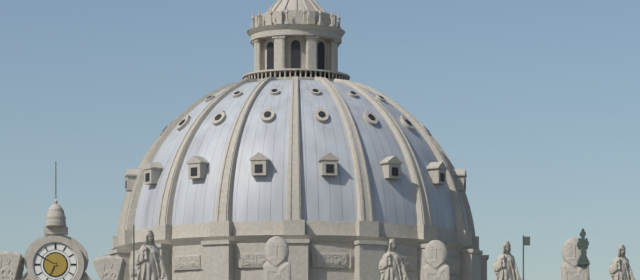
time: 6:50
